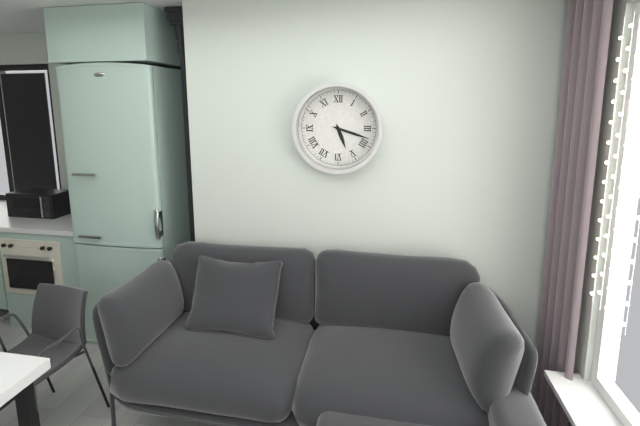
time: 5:18
